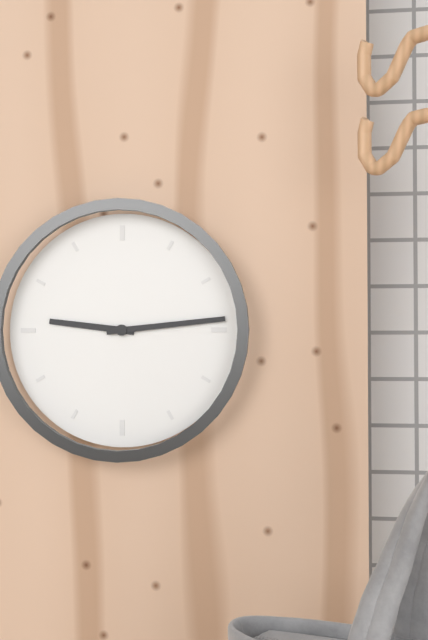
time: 9:14
